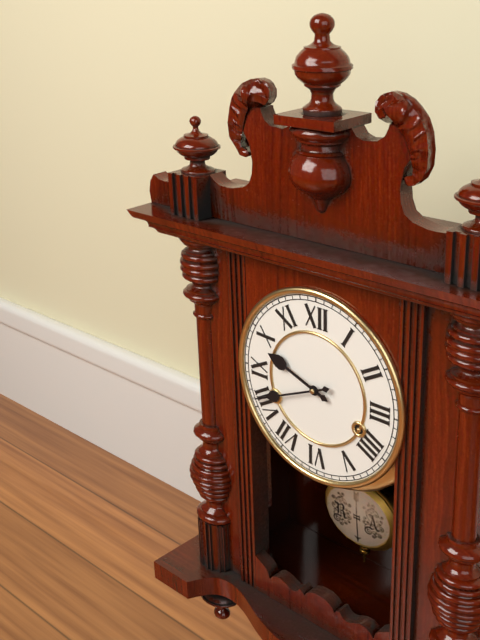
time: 9:41
